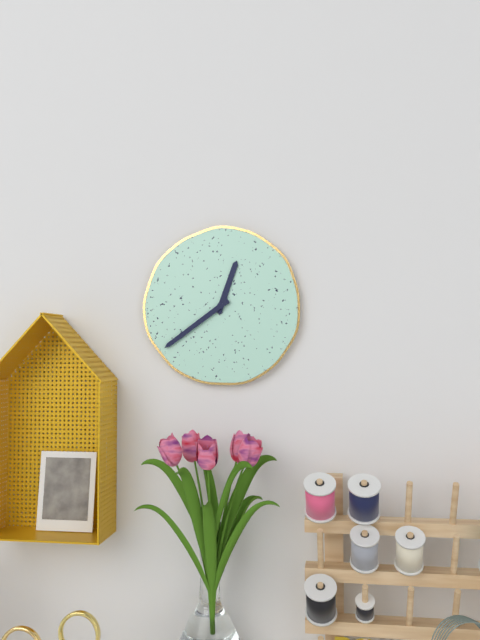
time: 12:39
